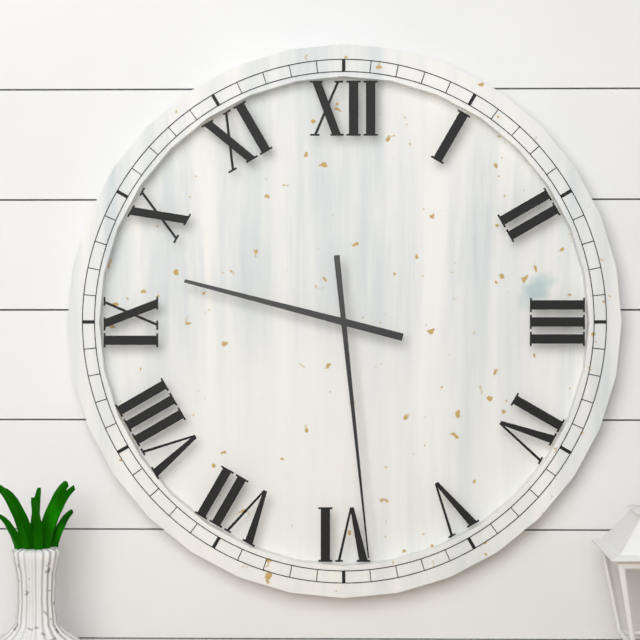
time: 9:29
